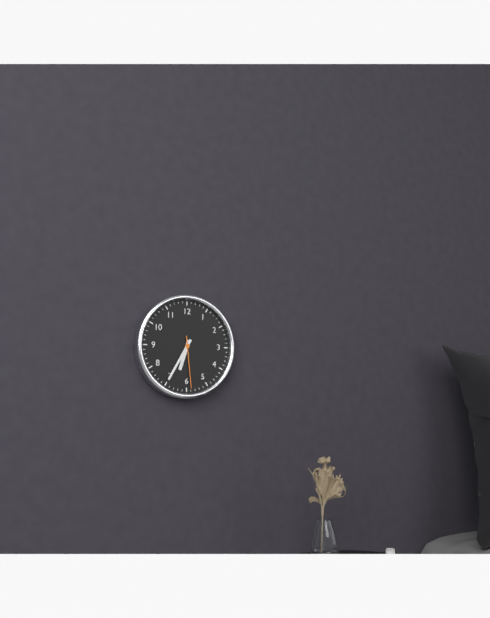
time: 6:35:29
